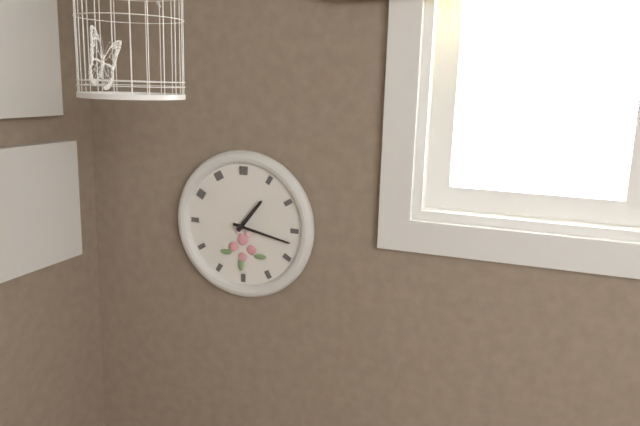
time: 1:17
